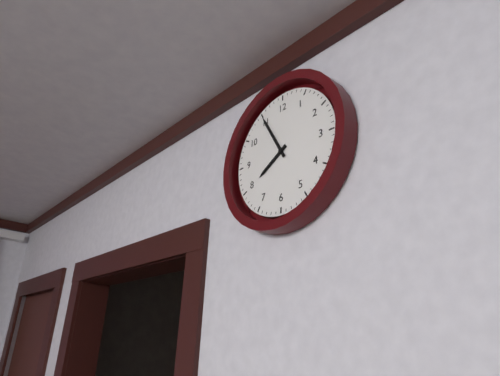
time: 7:55
